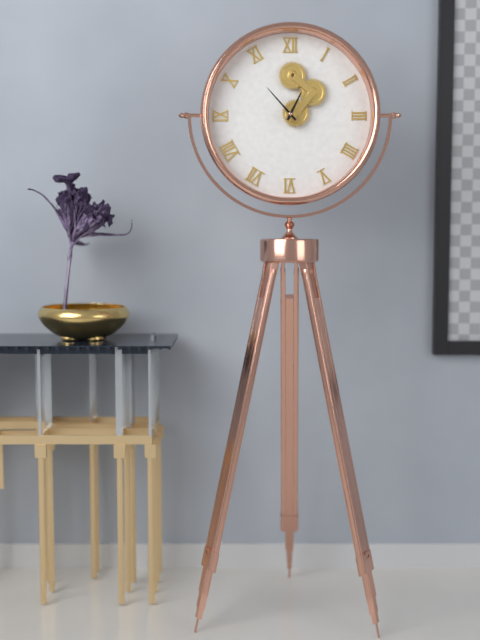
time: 12:53
